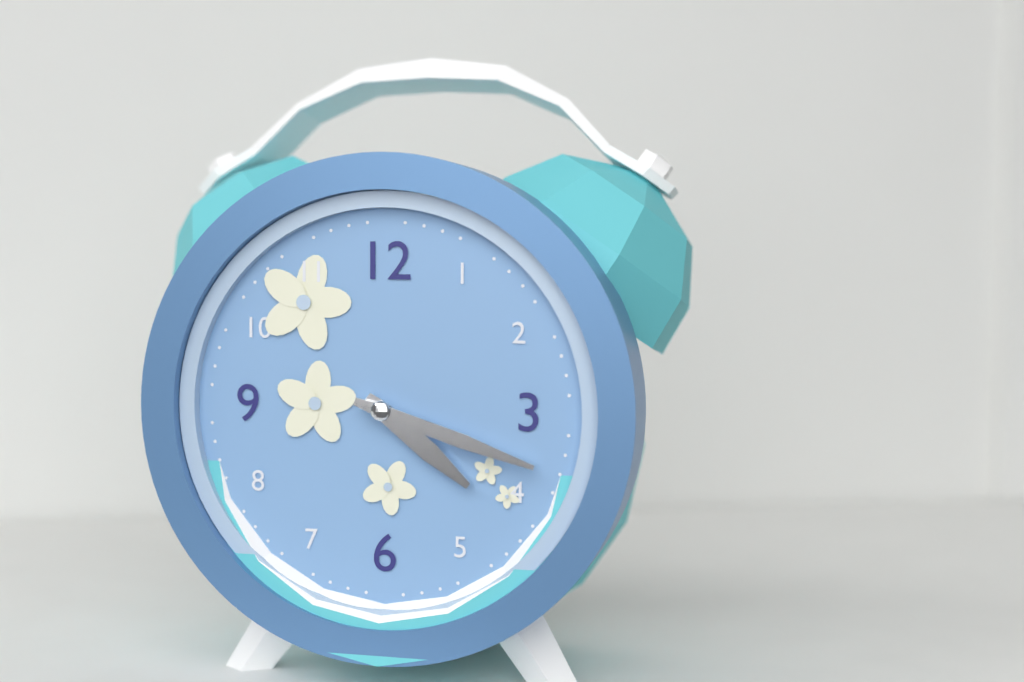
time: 4:18
